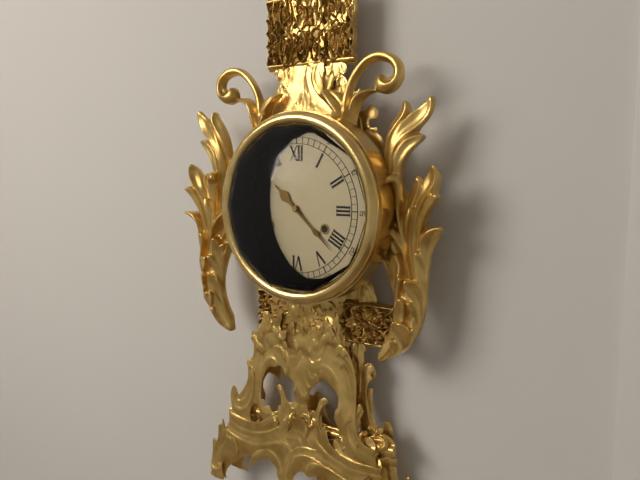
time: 10:22
